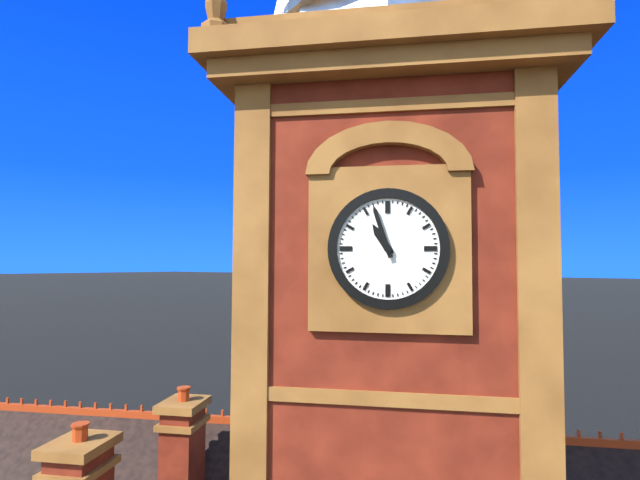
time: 10:57
